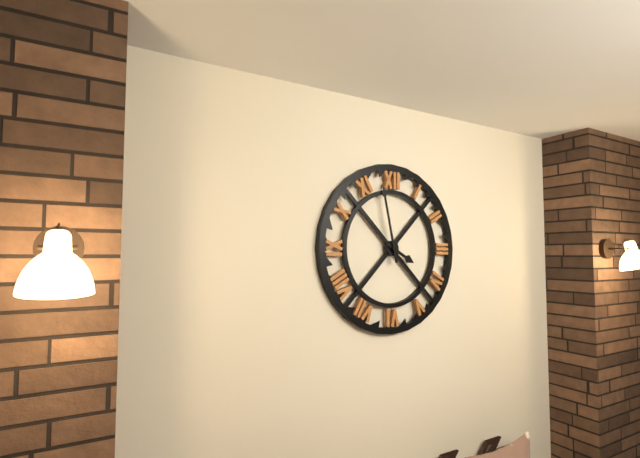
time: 3:58
